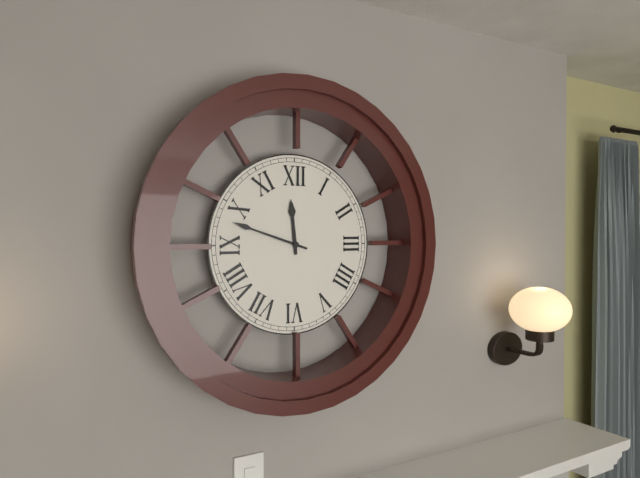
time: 11:48
